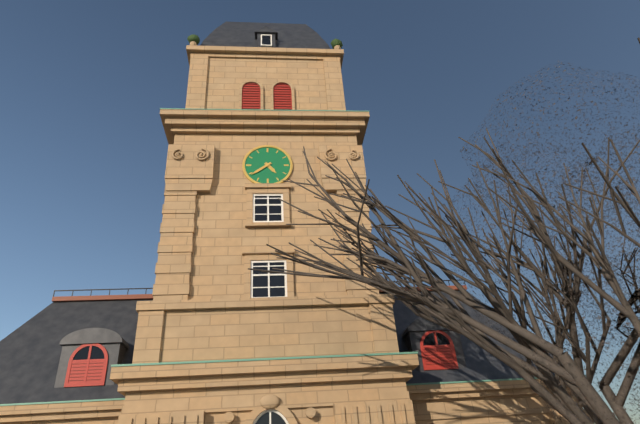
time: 4:39
